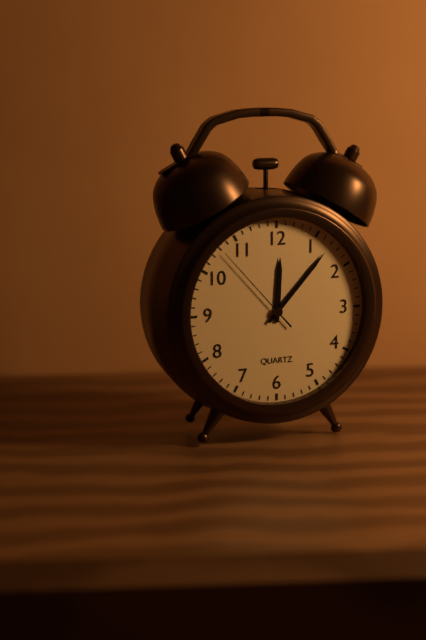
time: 12:07:53
